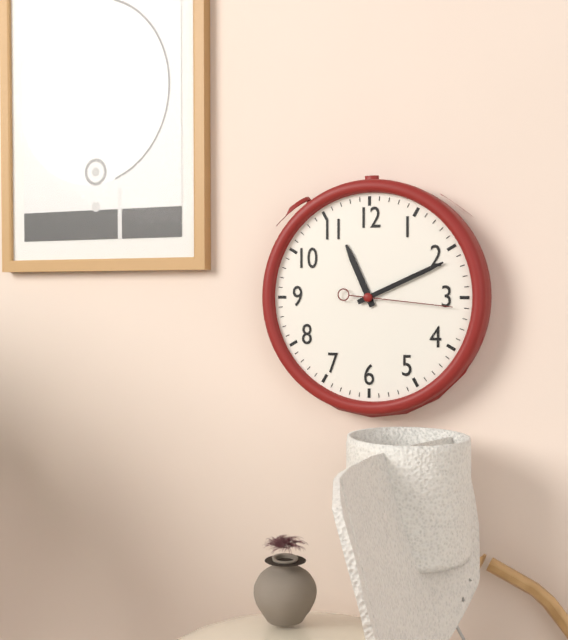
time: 11:11:16
